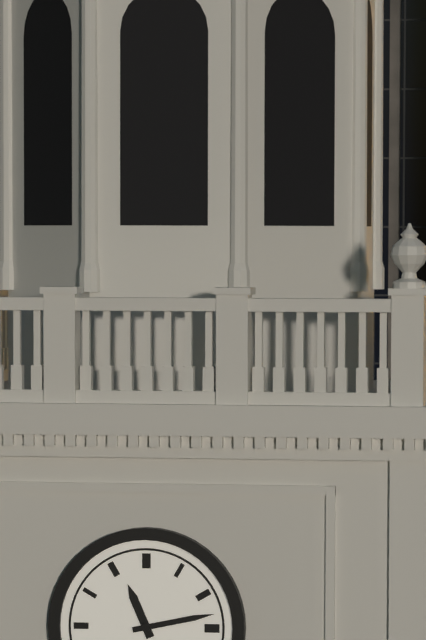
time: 11:13
